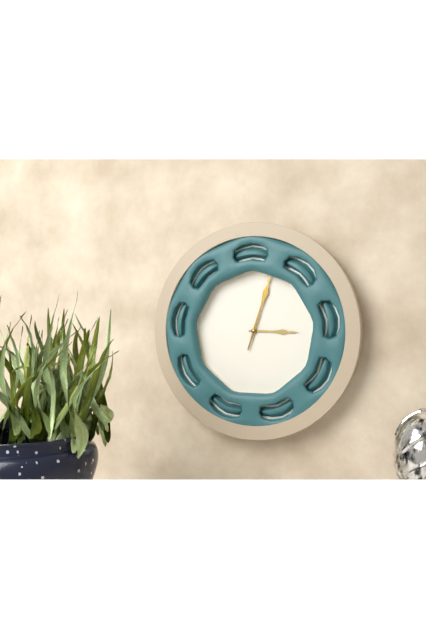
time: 3:03
